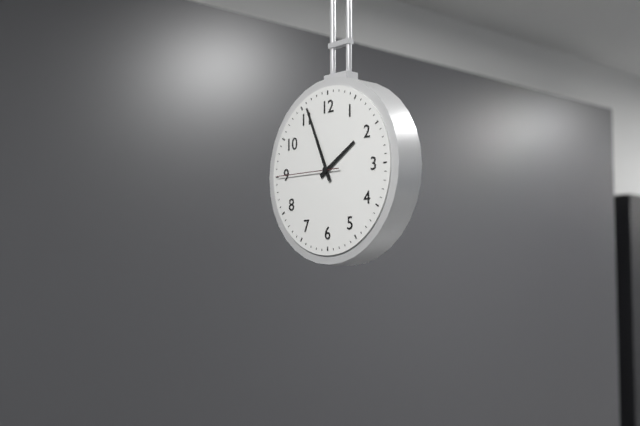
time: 1:56:45
